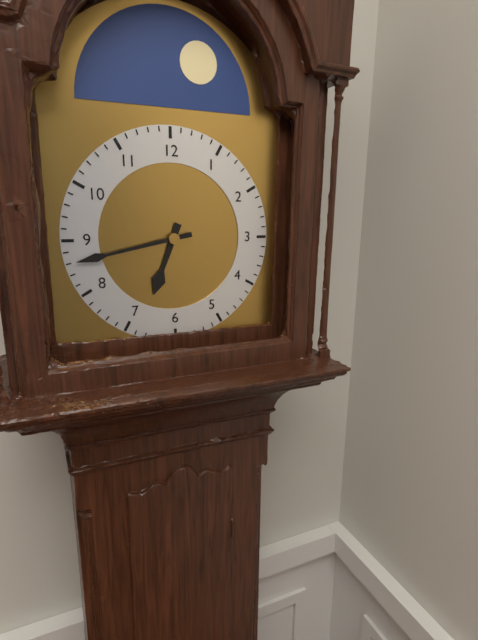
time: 6:43
